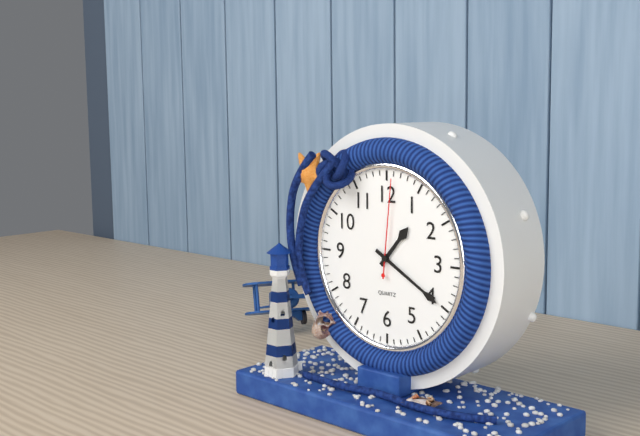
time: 1:20:01
